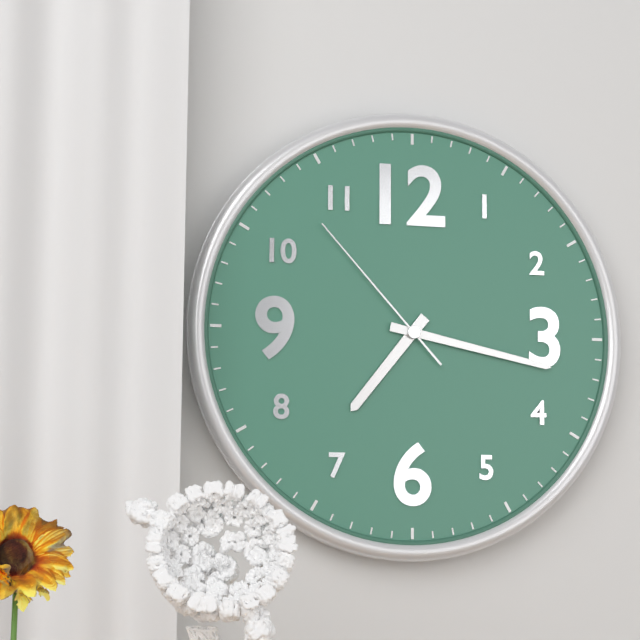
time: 7:17:53
